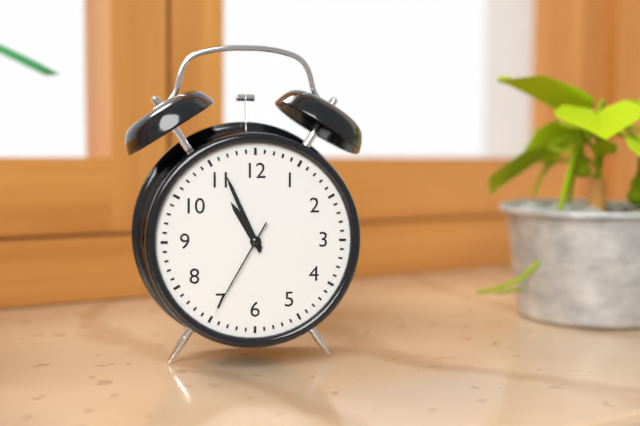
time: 10:56:35
